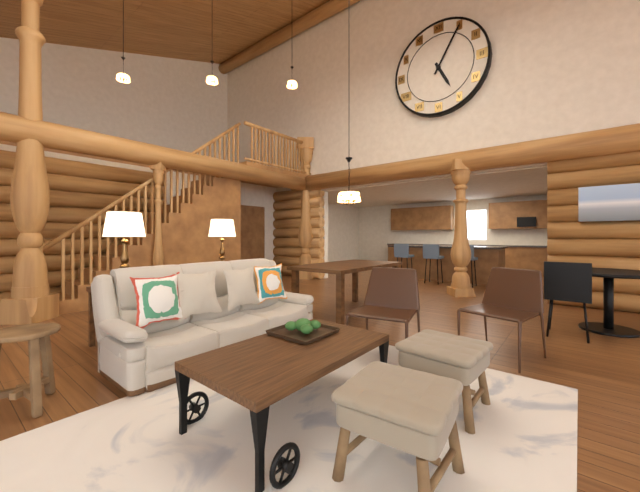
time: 5:05
